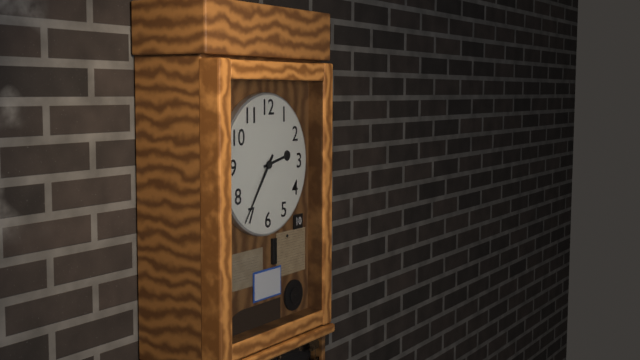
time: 2:36
